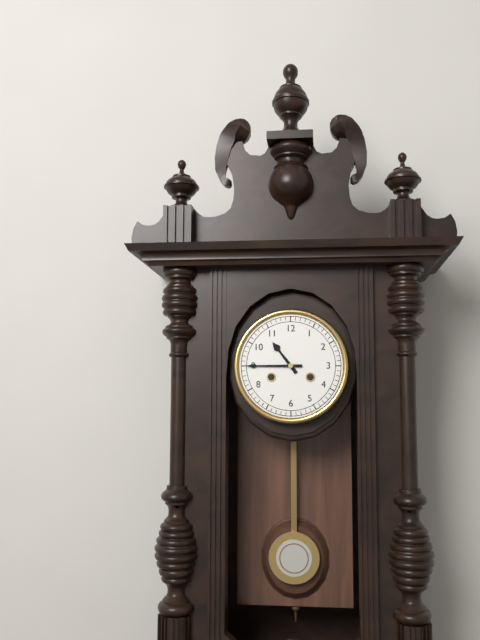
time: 10:45
